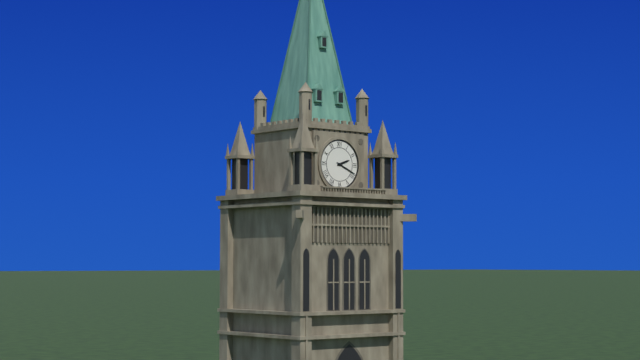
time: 2:19
